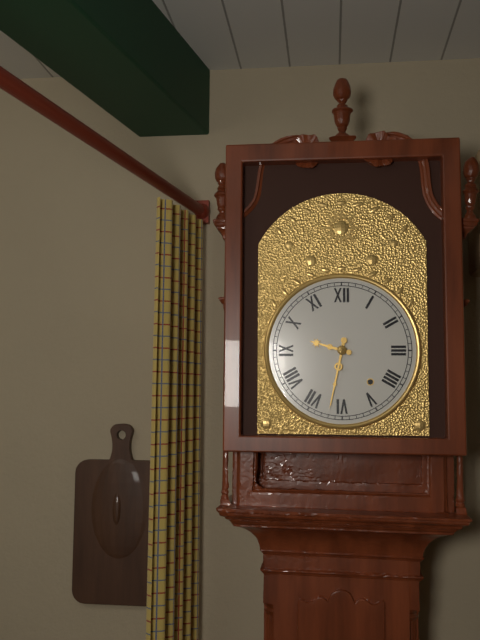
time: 9:32
